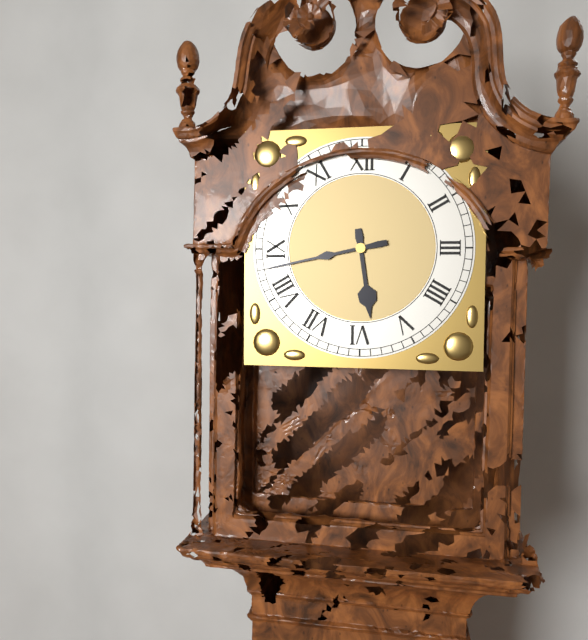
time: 5:43
